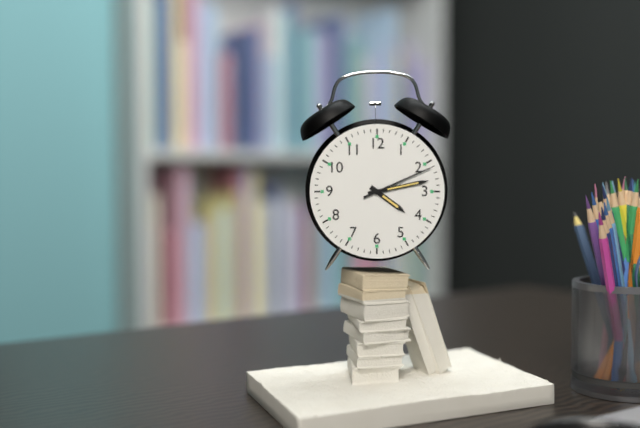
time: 4:13:11
